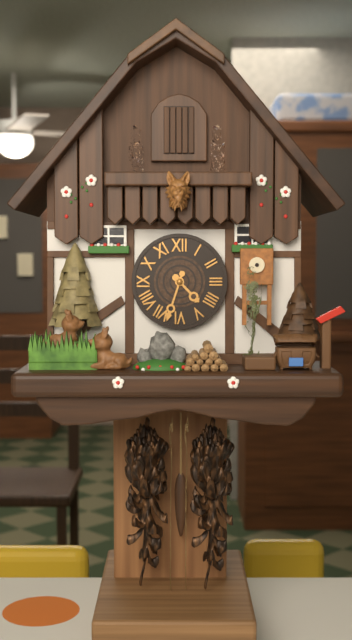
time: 4:33
